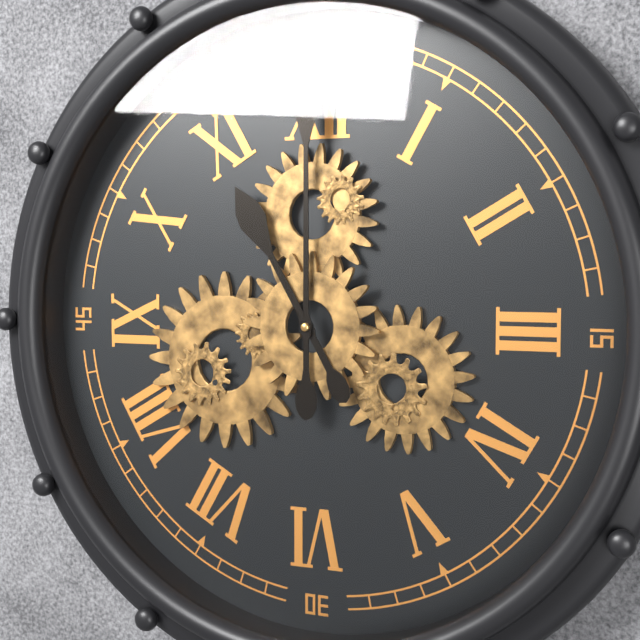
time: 11:00
